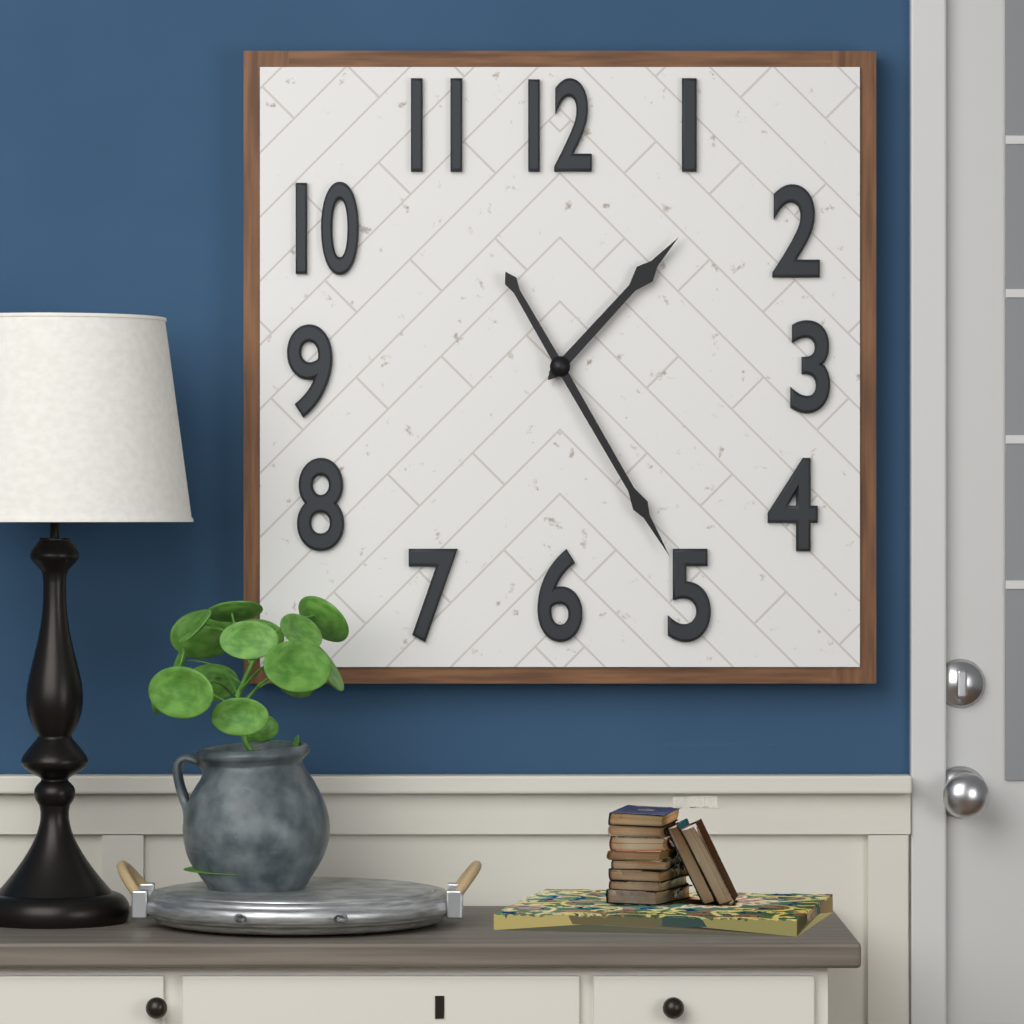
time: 1:25
